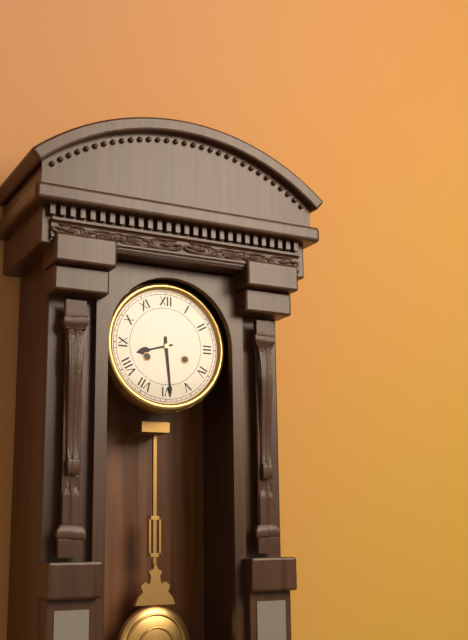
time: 8:29
